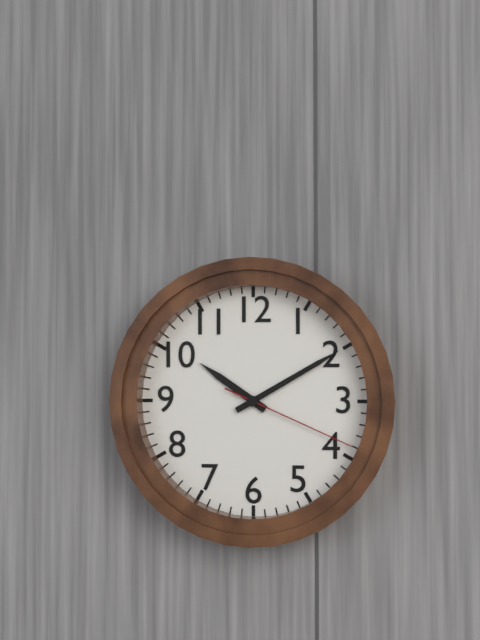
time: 10:10:19
